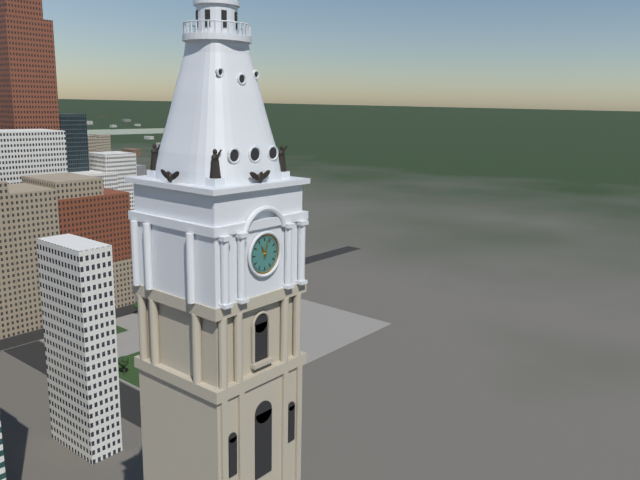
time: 11:03
